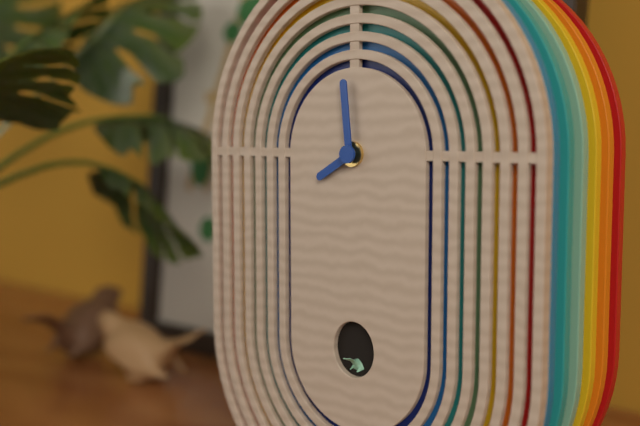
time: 7:59
